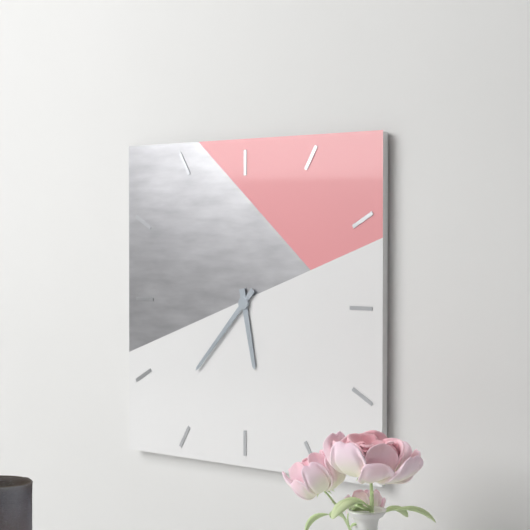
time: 5:37
